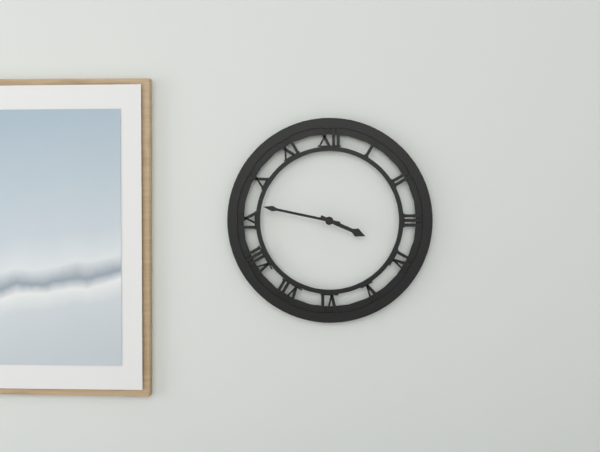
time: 3:47
